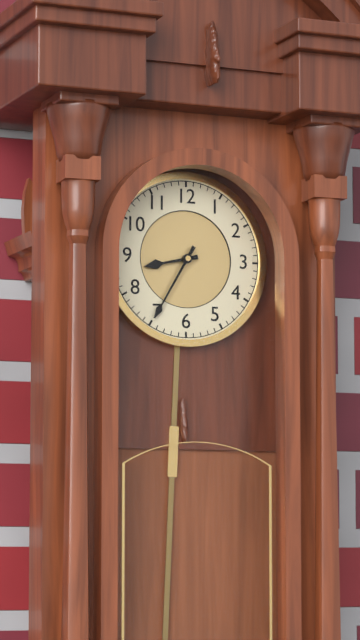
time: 8:35
